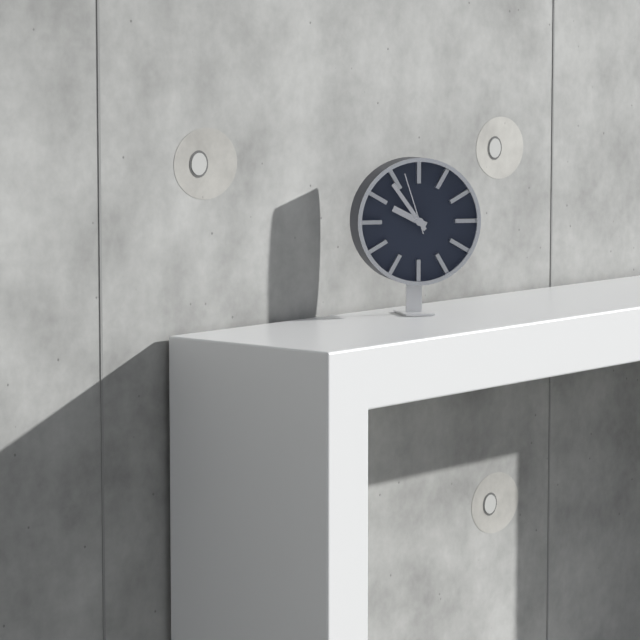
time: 9:54:57
